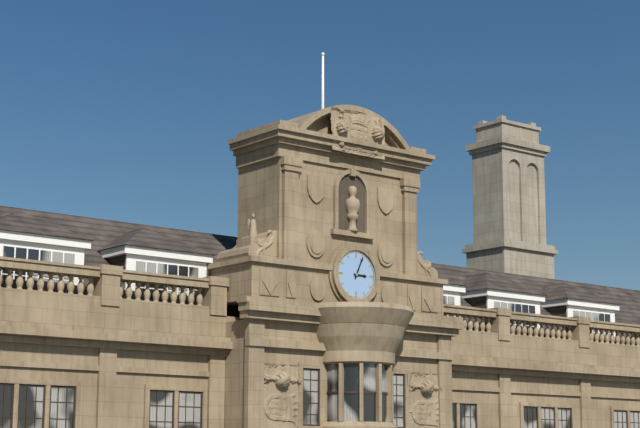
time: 3:04
